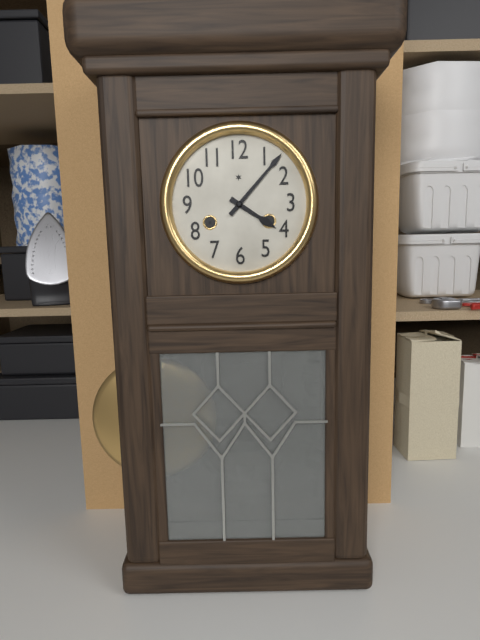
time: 4:07
